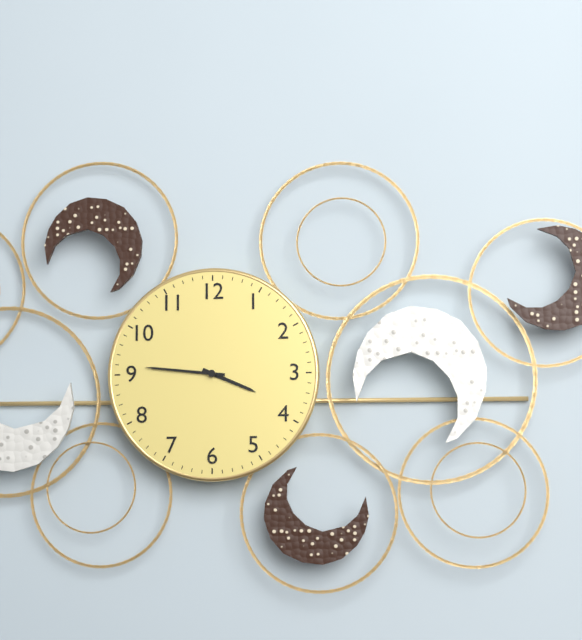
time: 3:46
